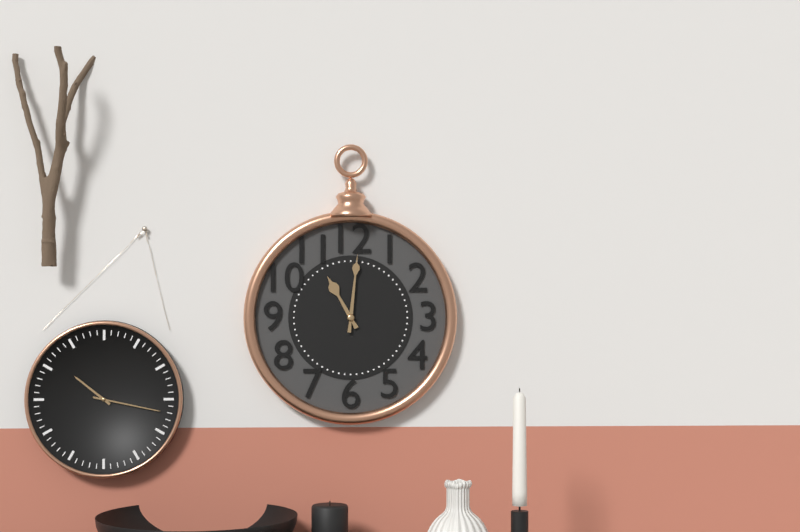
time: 11:01
